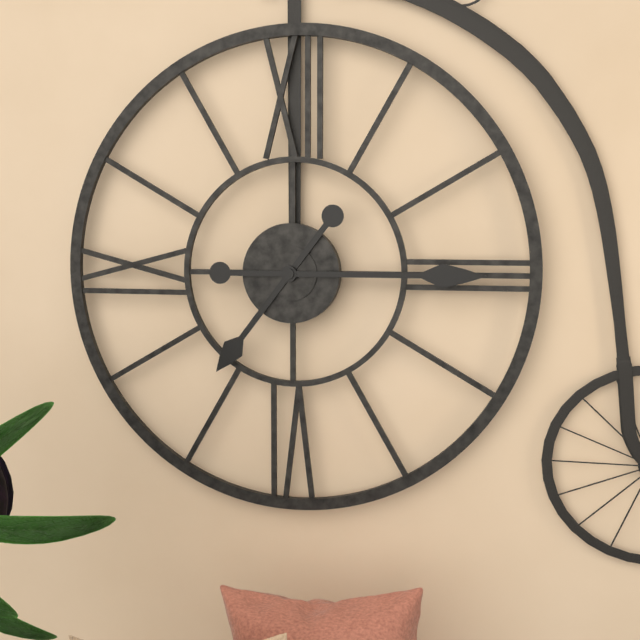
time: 7:15
